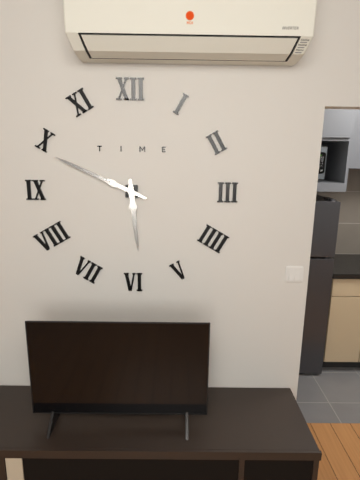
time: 5:49
